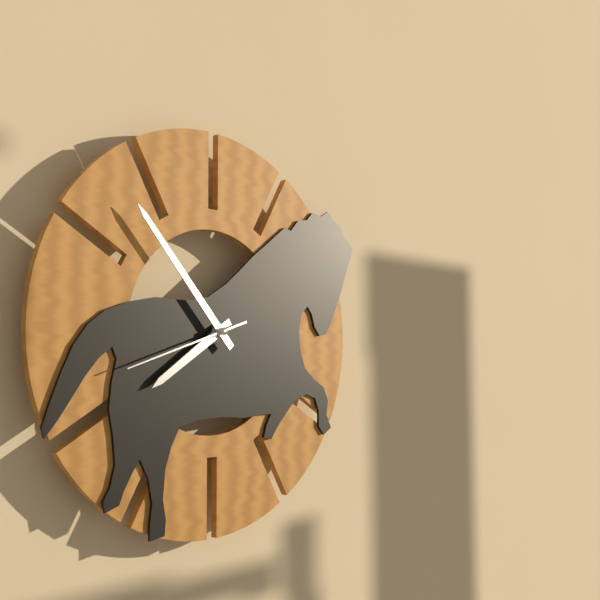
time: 7:53:42
